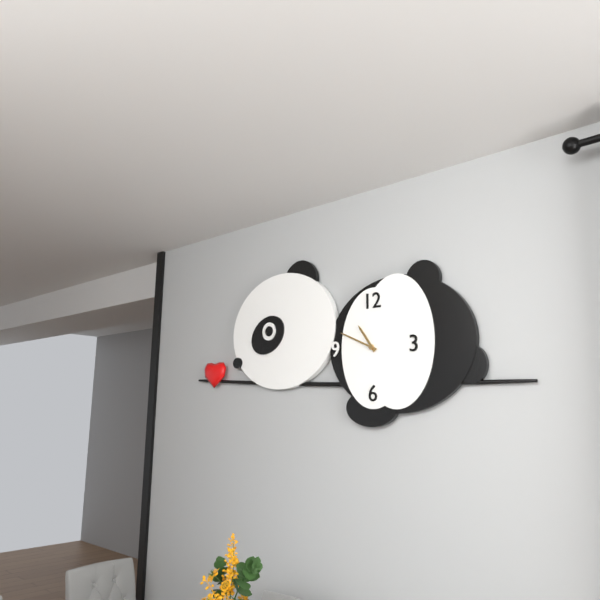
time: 10:49
